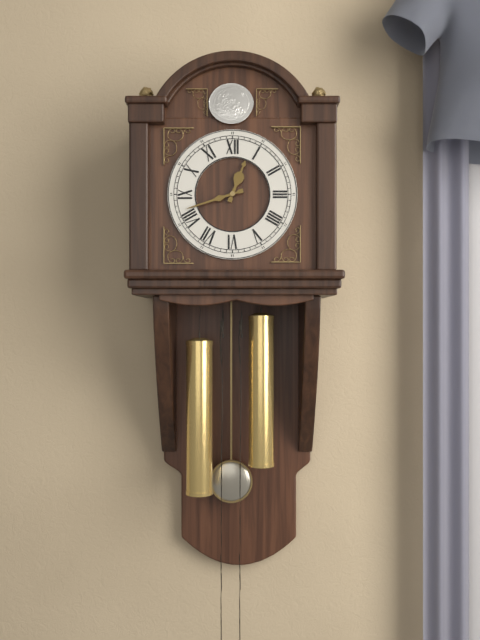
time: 12:42
